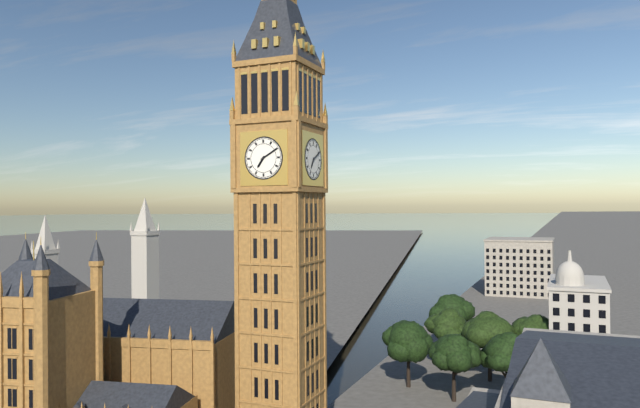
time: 7:10
